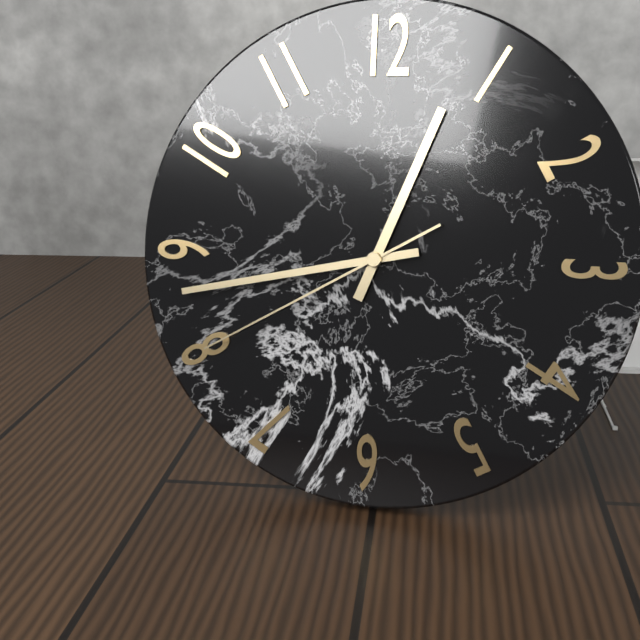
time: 12:43:40
